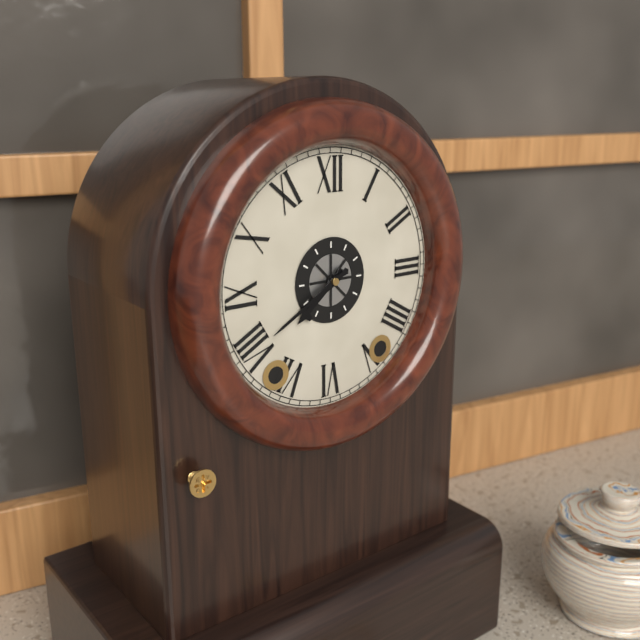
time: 7:40
